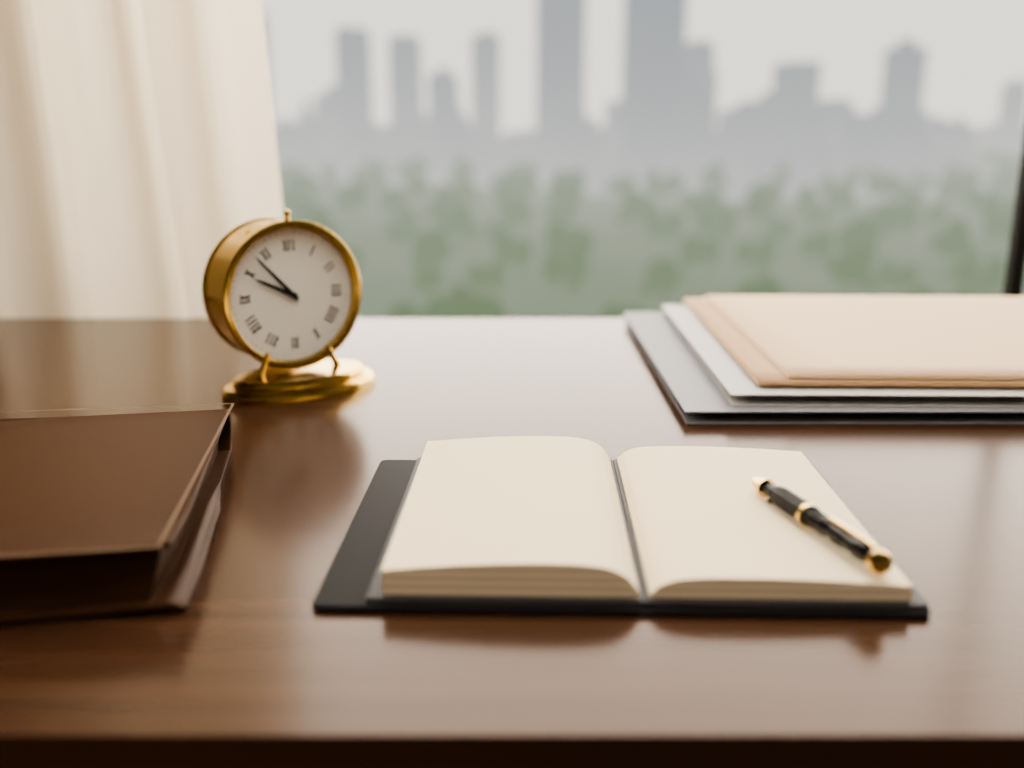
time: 9:53
